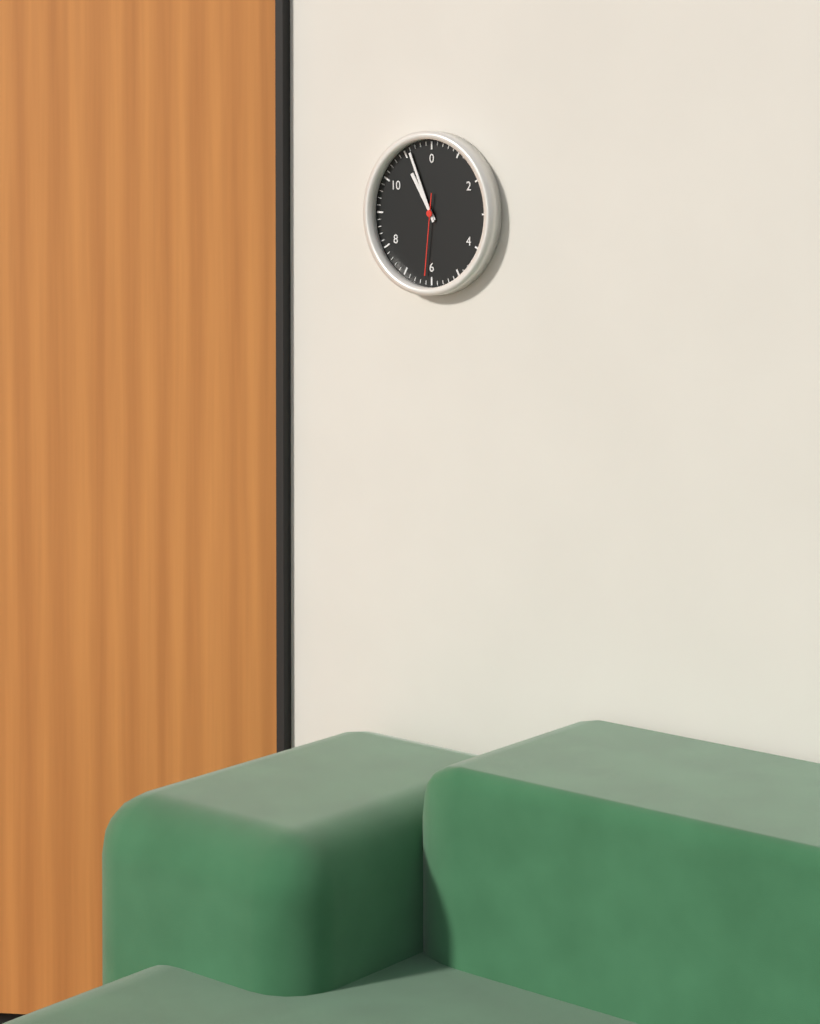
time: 10:56:31
